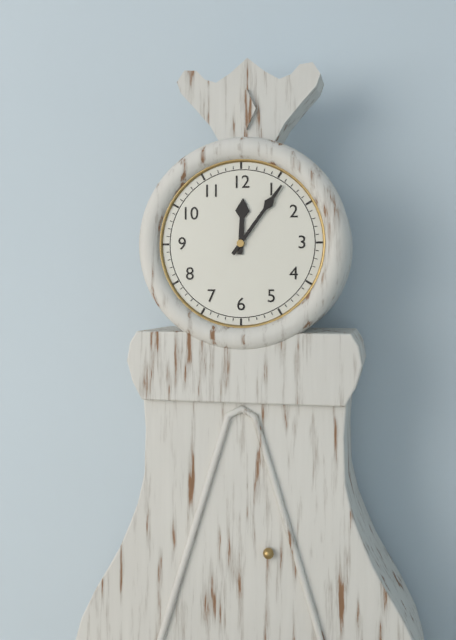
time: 12:06
